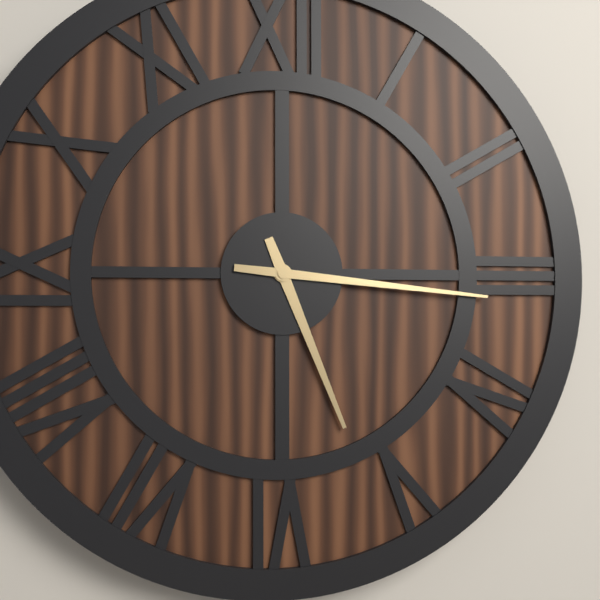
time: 5:16
